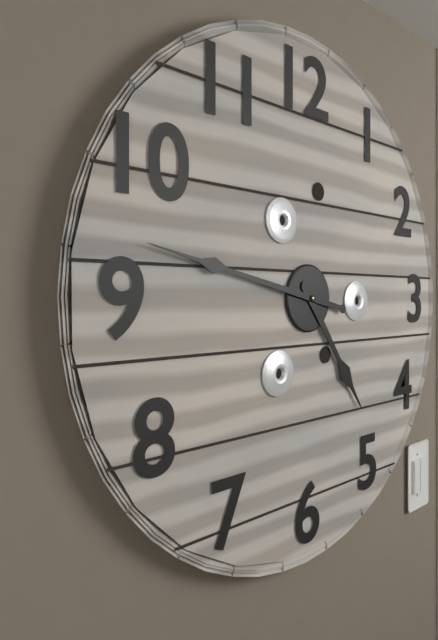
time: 4:47
